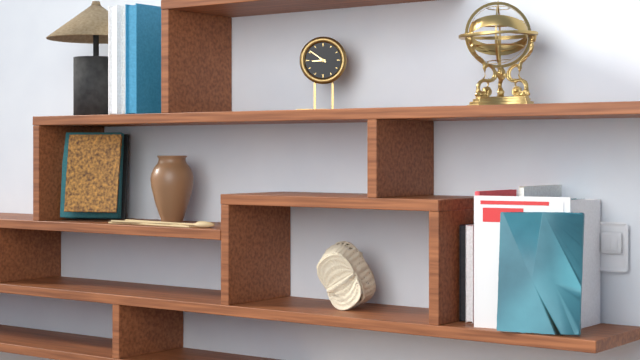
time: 8:51
